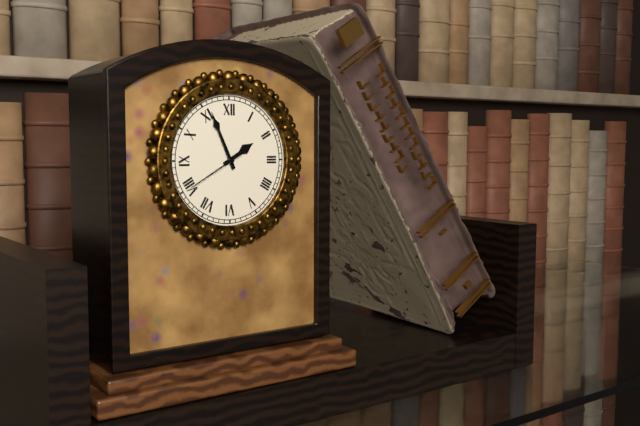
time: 1:56:40
